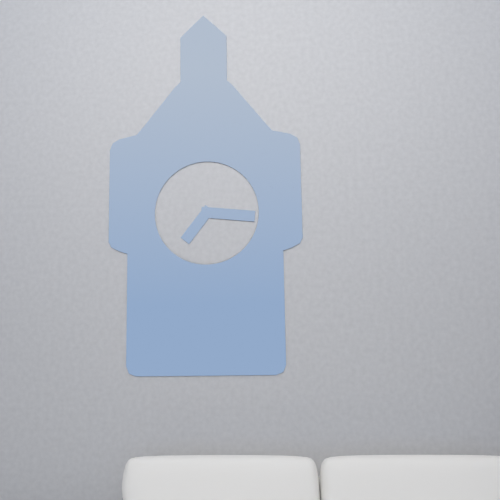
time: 7:16
